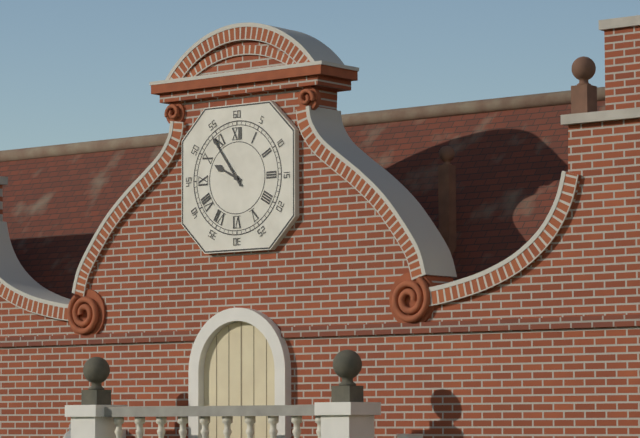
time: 9:54
